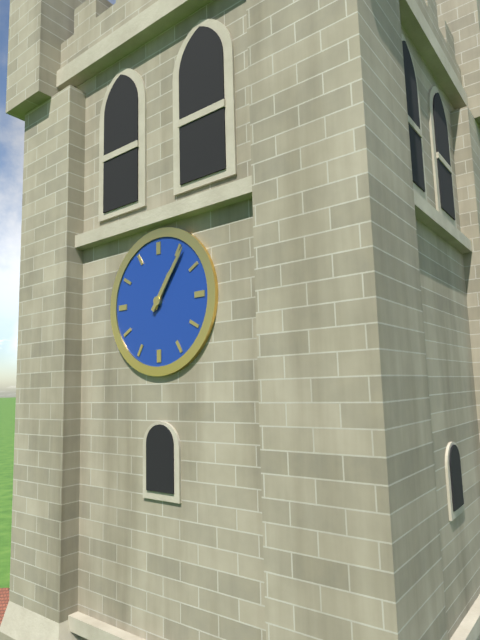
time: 1:06
